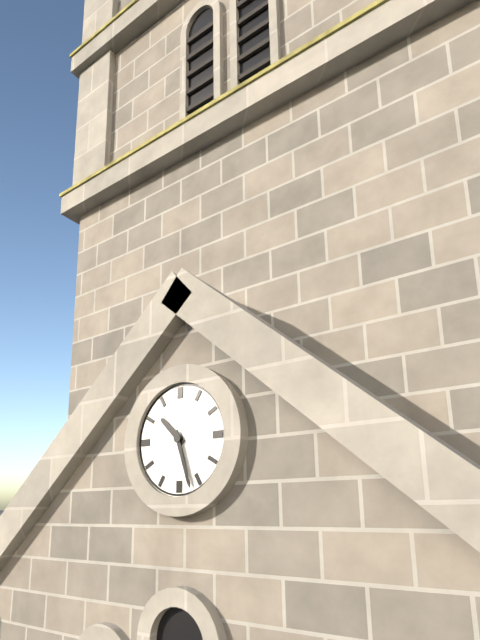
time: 10:27
